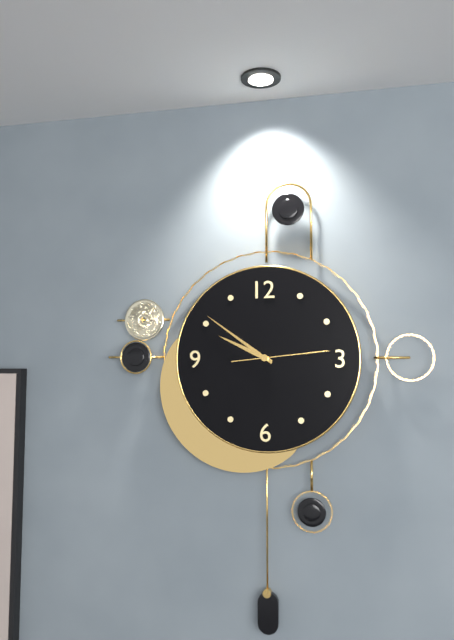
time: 9:51:14
